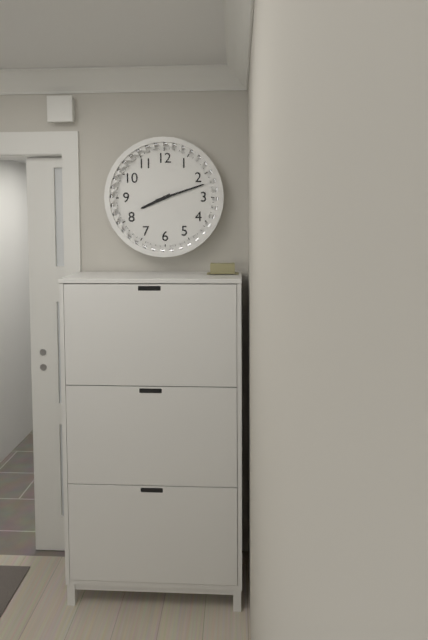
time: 8:12
